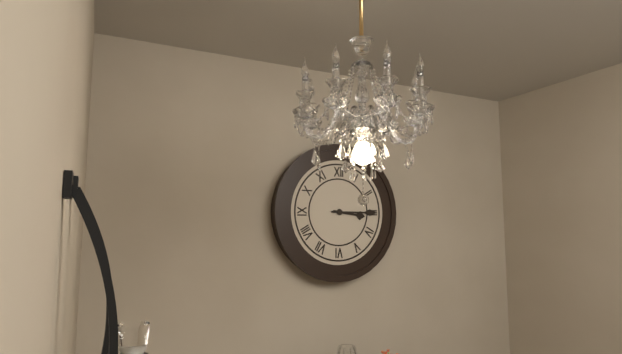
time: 3:15
